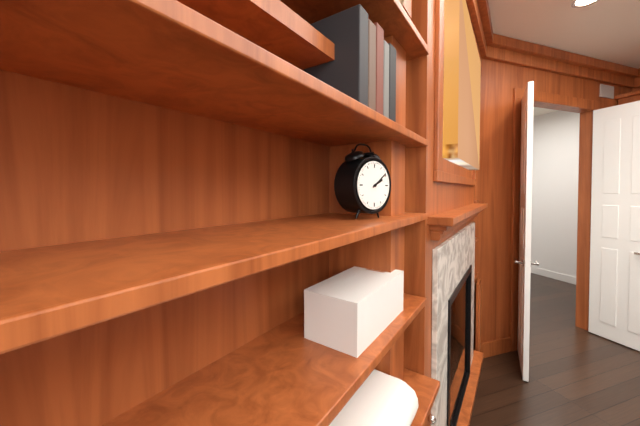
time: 2:09
